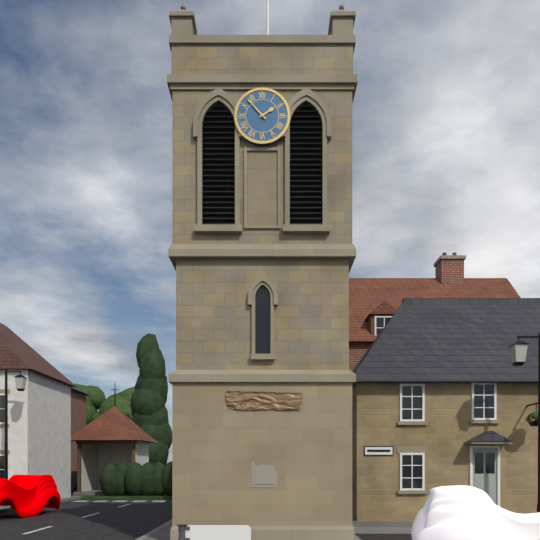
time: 1:53
